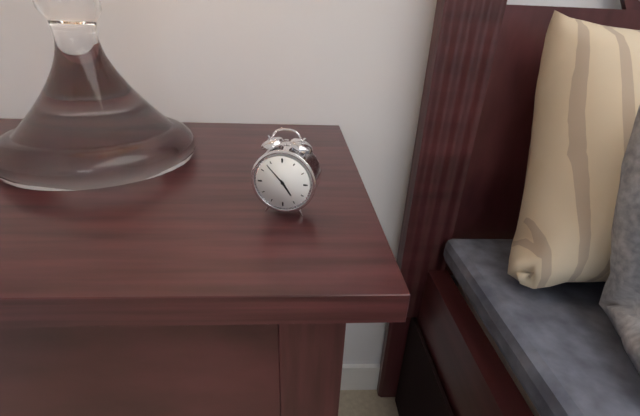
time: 4:53
